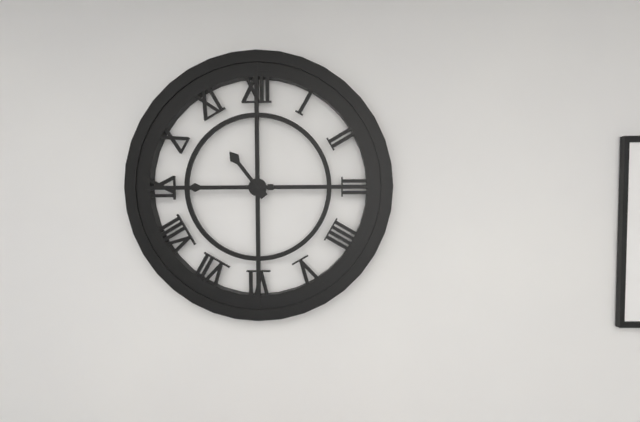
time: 10:45
